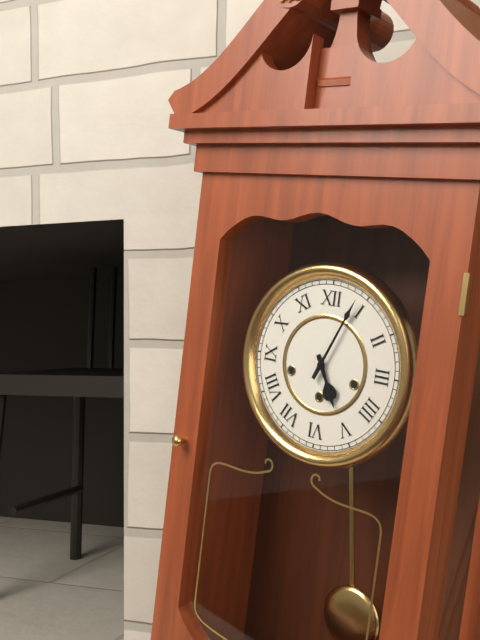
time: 5:04
